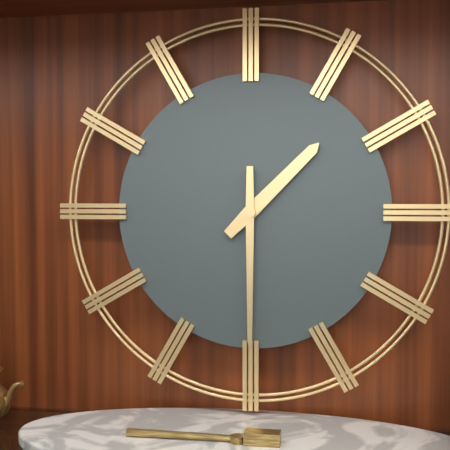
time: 1:30
